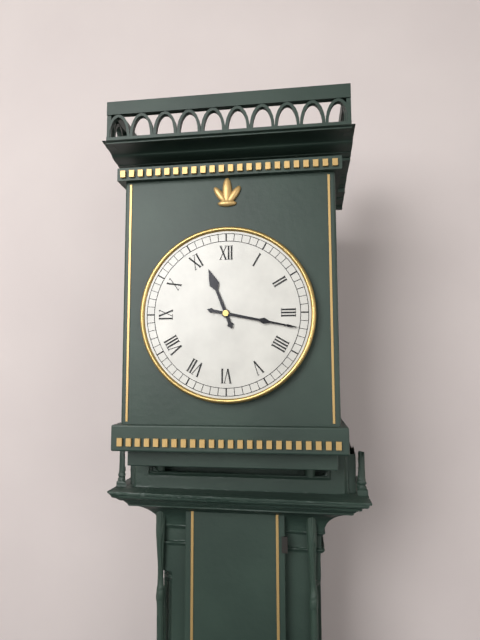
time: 11:17
